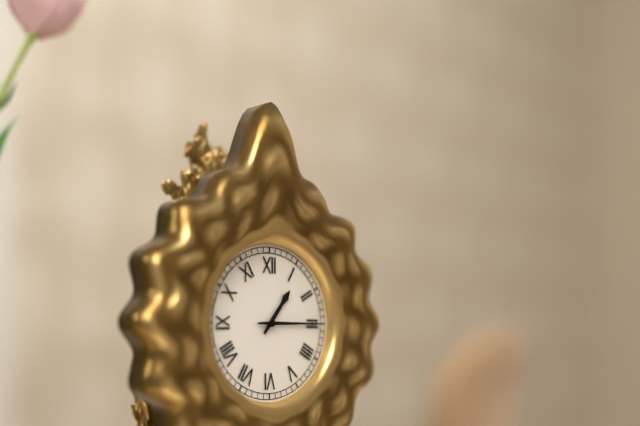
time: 1:15
